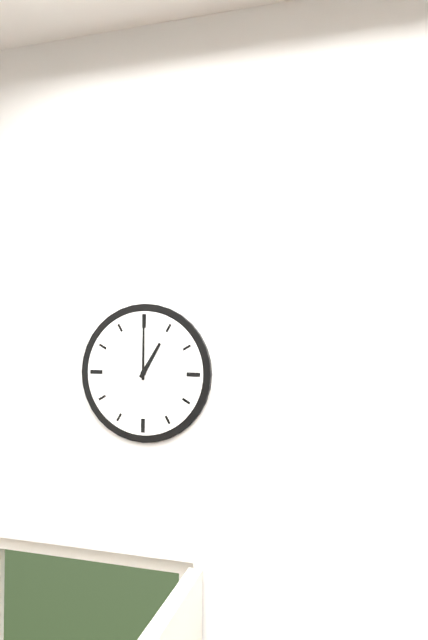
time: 1:00
